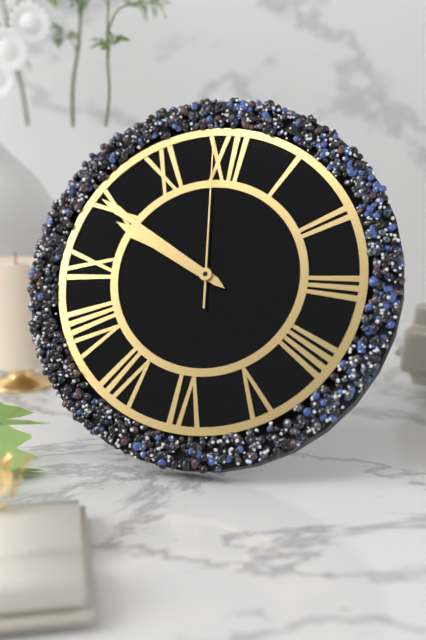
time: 9:50:59
